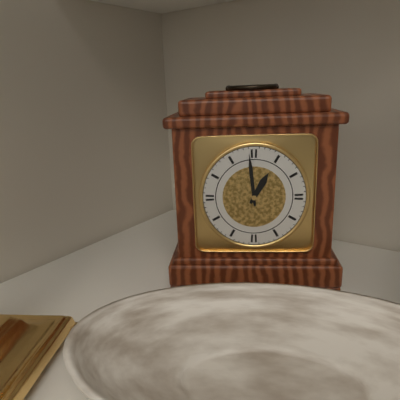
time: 12:59
